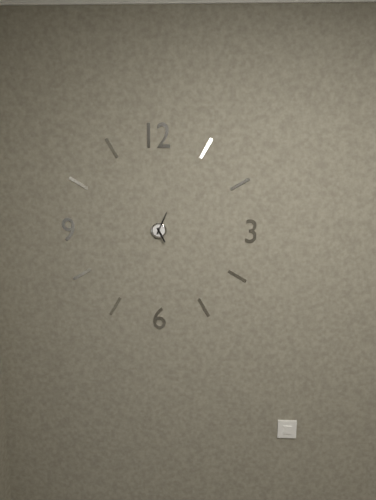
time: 5:04
